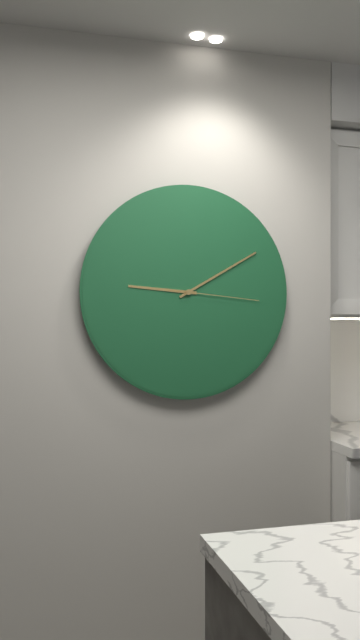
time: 9:10:16
